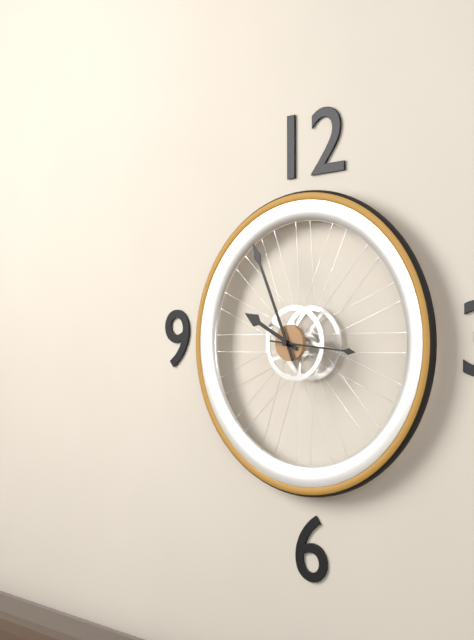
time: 9:56:16
